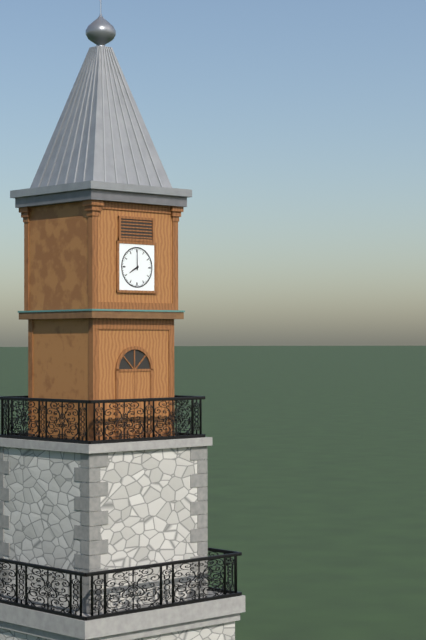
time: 8:00
